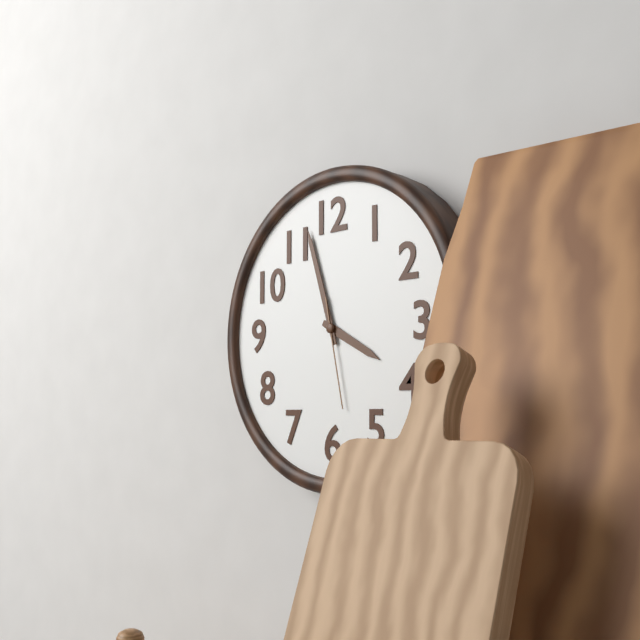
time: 3:57:28
